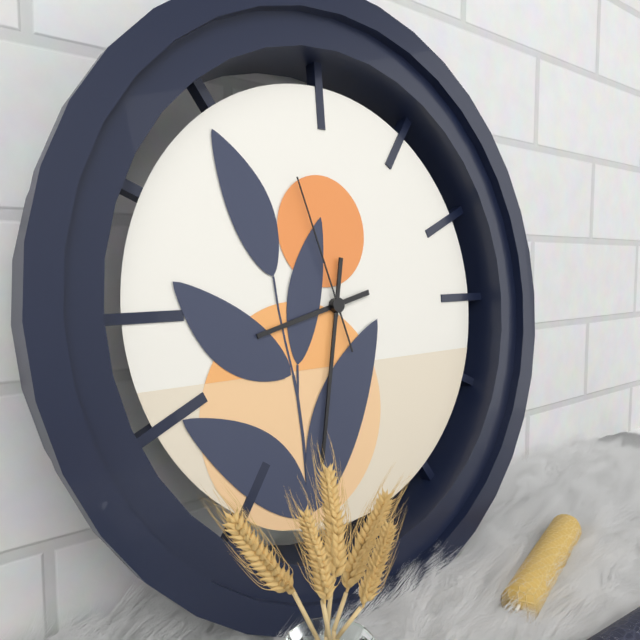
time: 8:32:57
